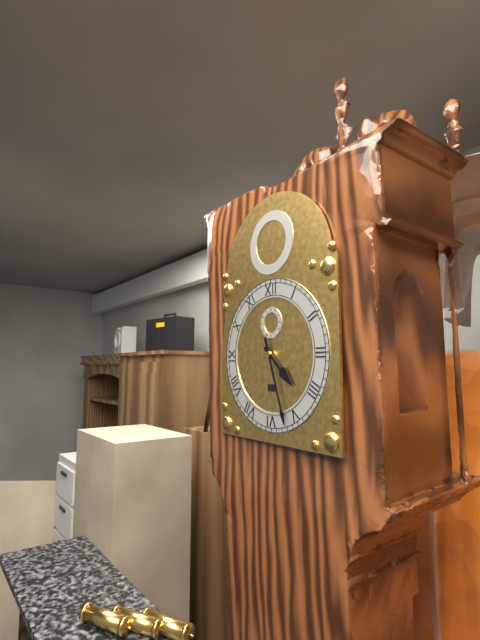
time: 4:27
